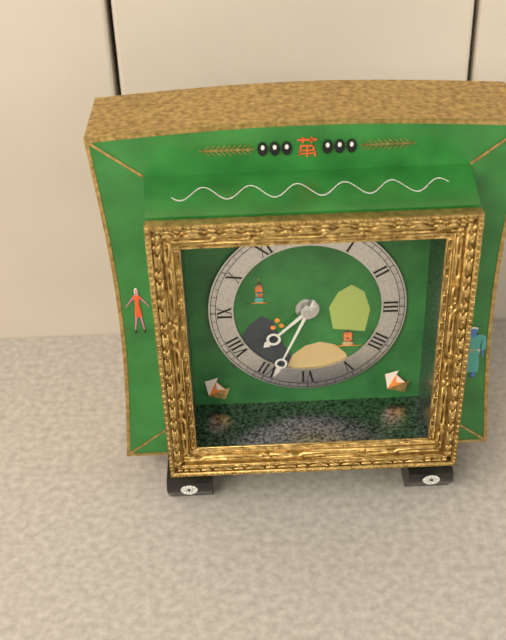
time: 7:34
